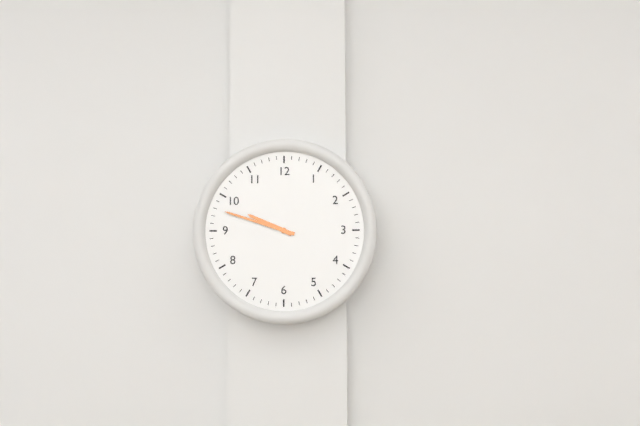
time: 9:48
